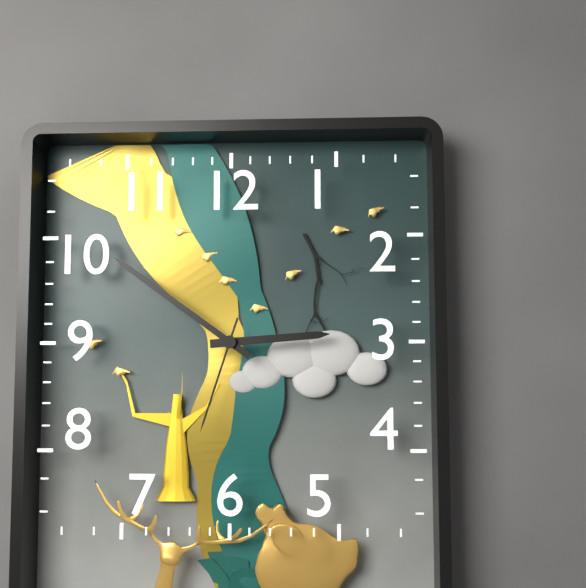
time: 2:51:33
